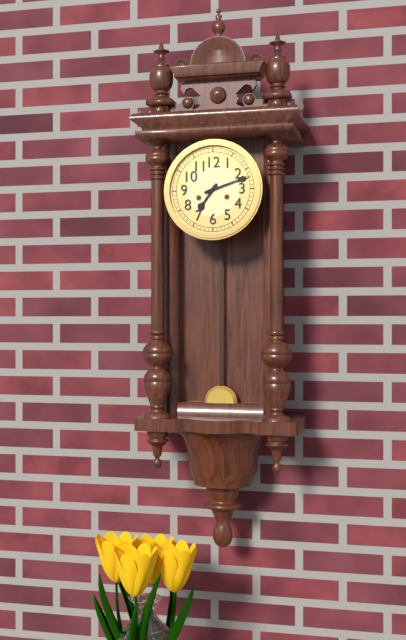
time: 7:12
